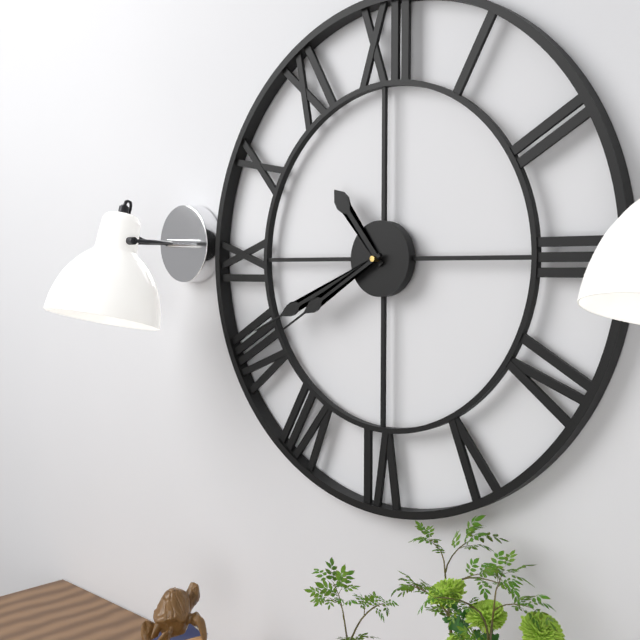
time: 10:41:40
